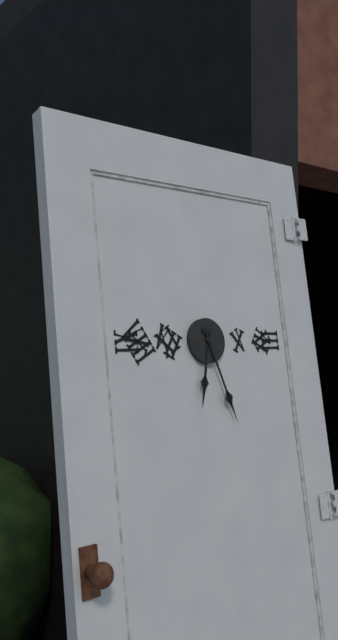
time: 6:27
